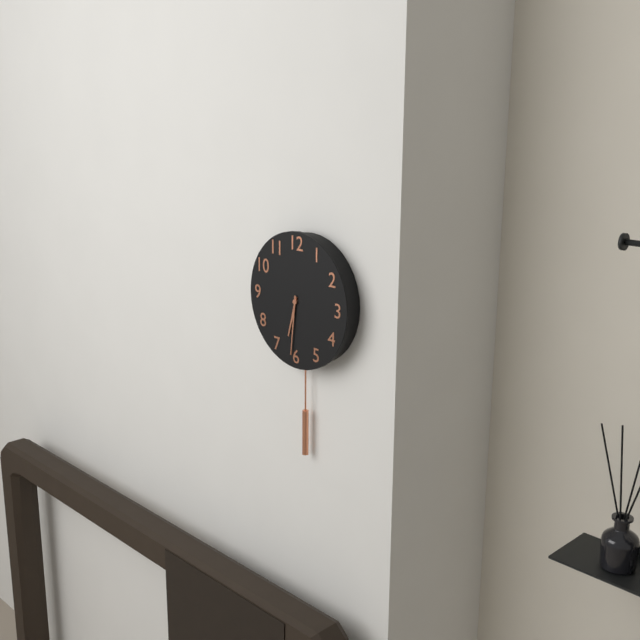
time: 6:31
